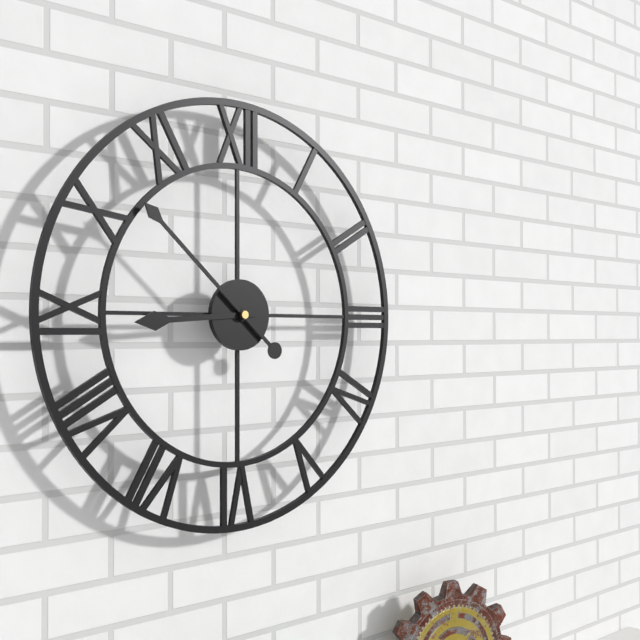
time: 8:52
